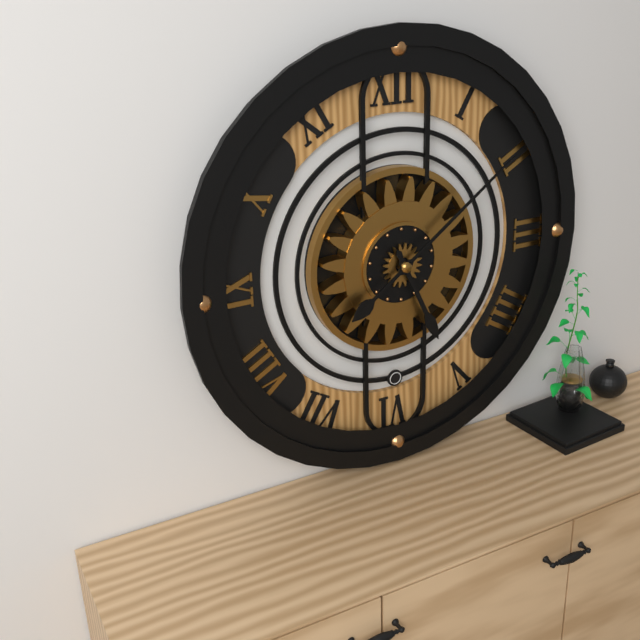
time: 5:09
